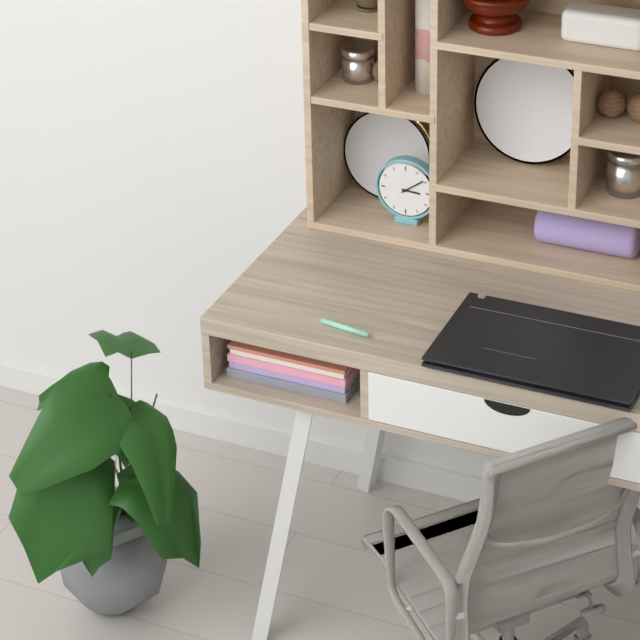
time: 3:09
